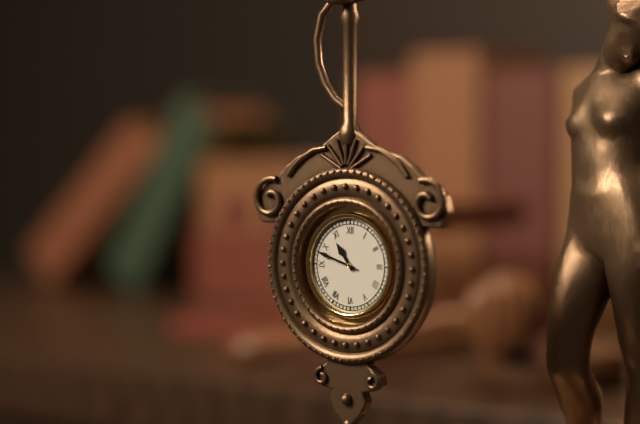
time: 10:48
